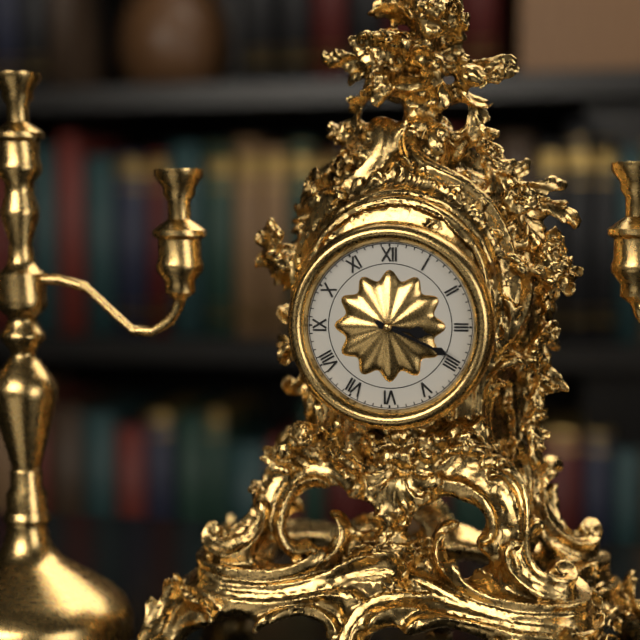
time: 3:19
